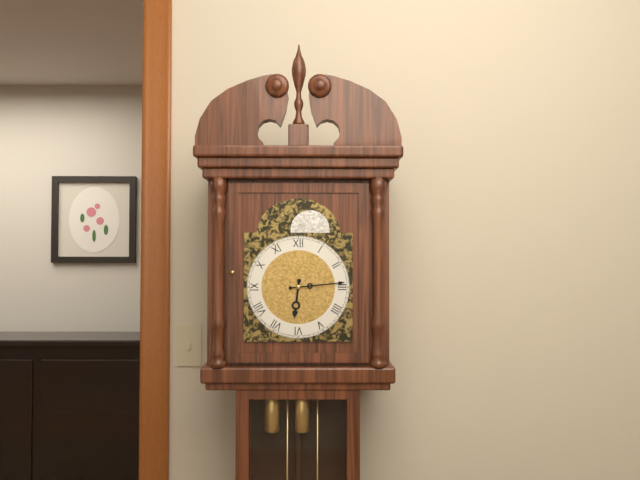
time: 6:14
